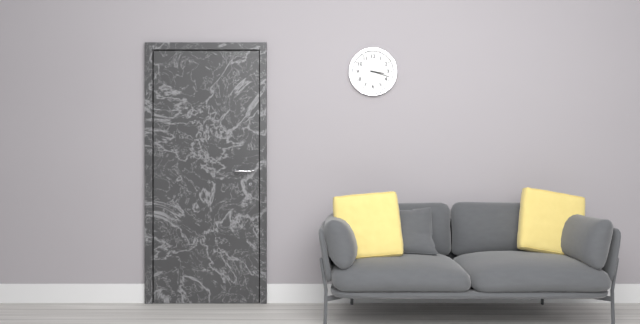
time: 3:18
